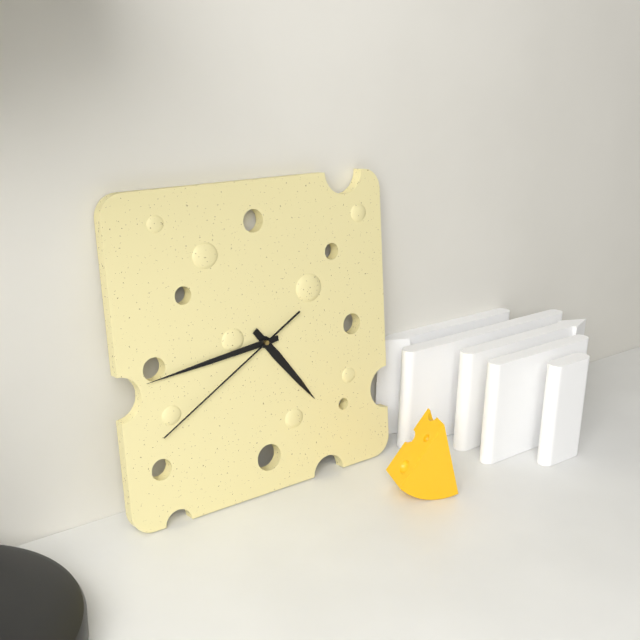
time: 4:44:40
